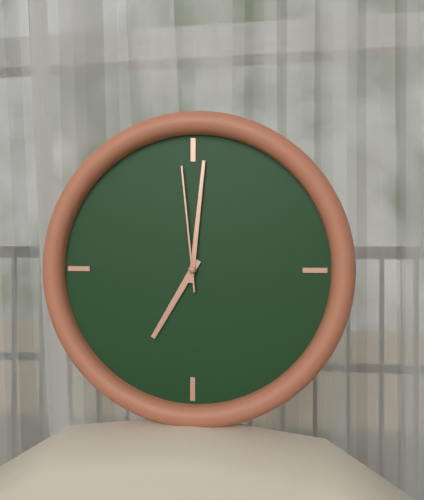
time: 7:01:59
